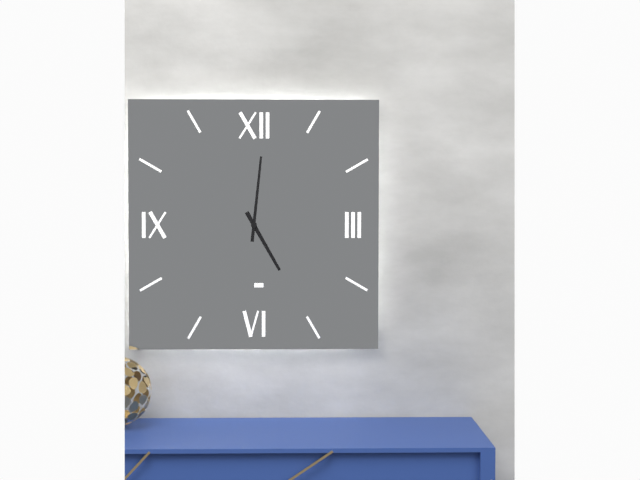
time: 5:01
